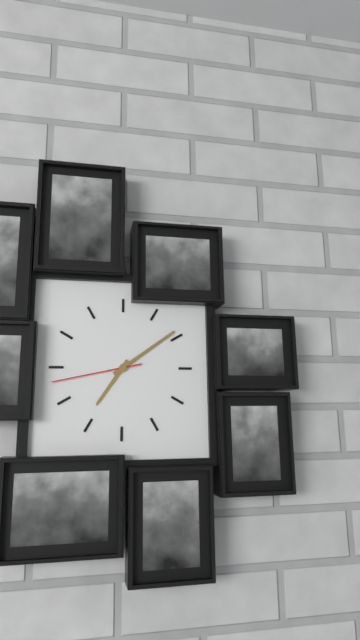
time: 7:09:43
